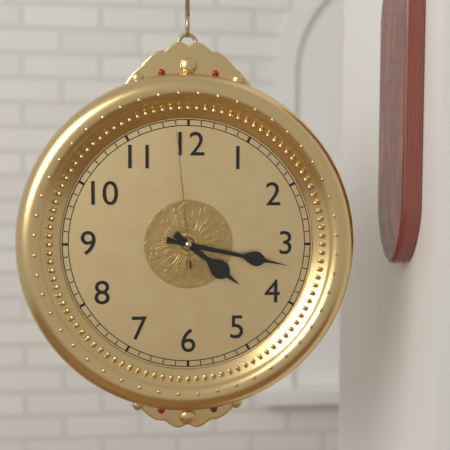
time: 4:17:59
